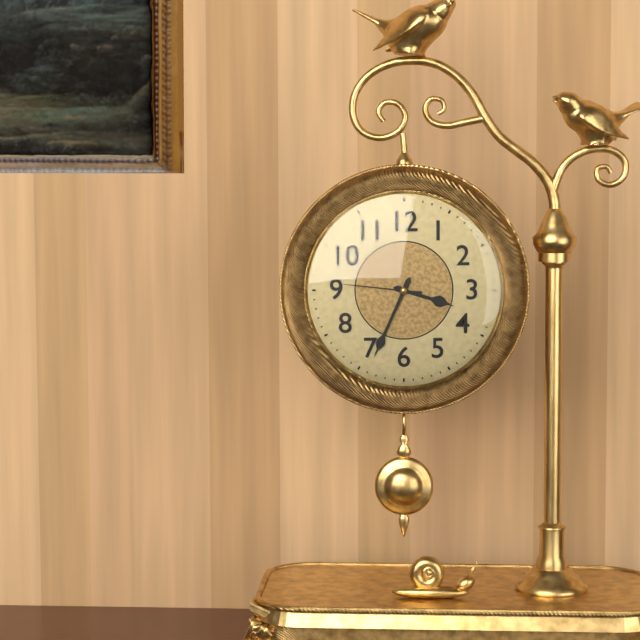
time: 3:34:46
